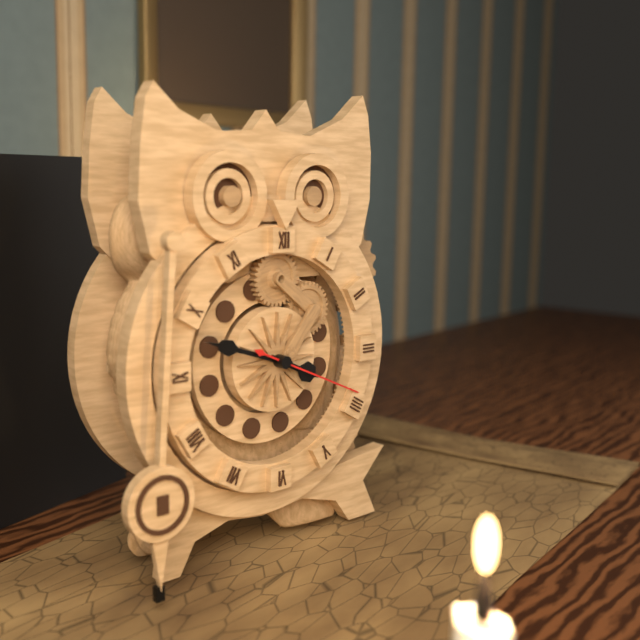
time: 3:48:19
